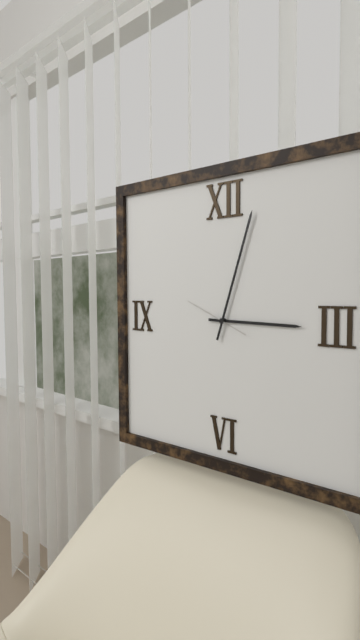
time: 3:03:49
